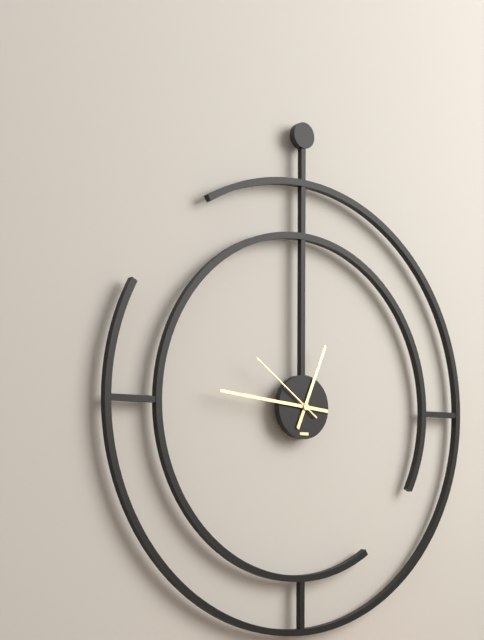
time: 12:46:51
